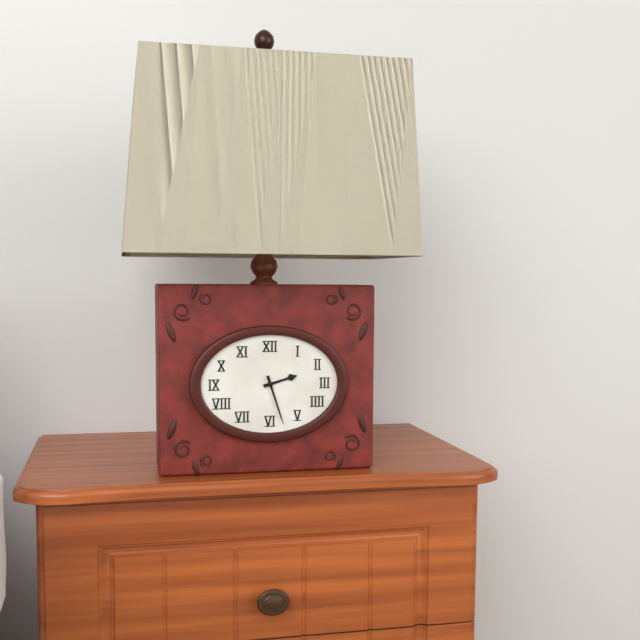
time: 2:27
